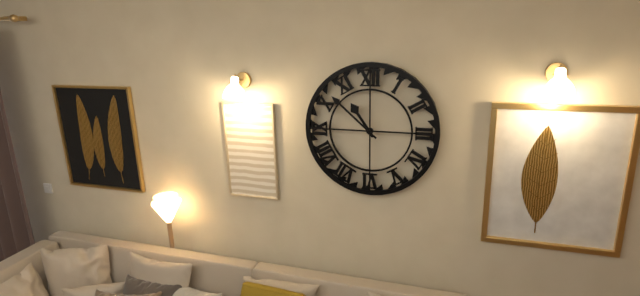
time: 10:52
